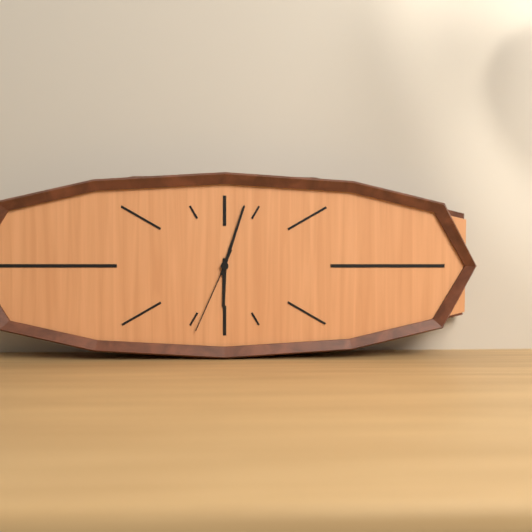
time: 6:03:34
